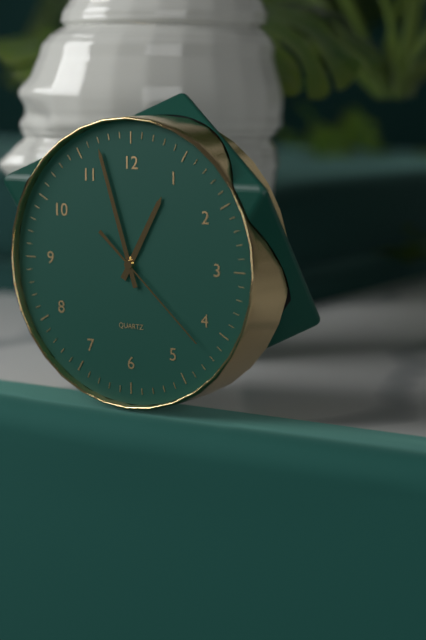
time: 12:57:22
